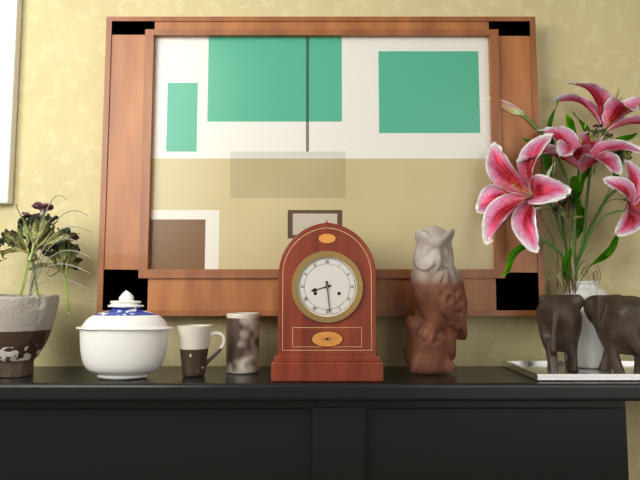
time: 8:29
